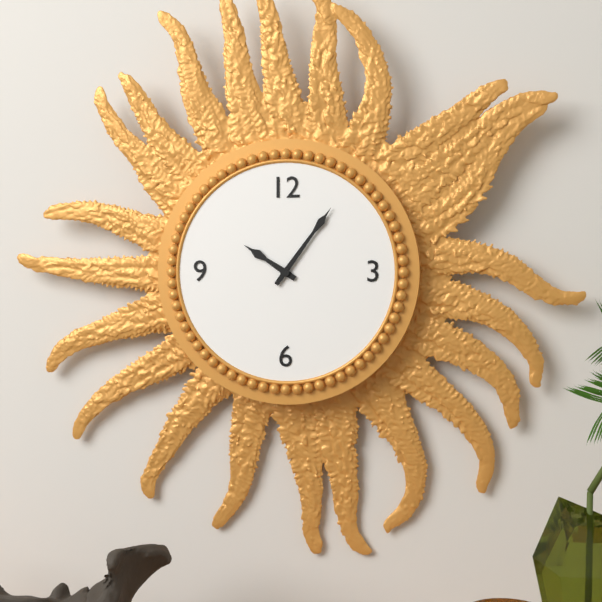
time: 10:06
